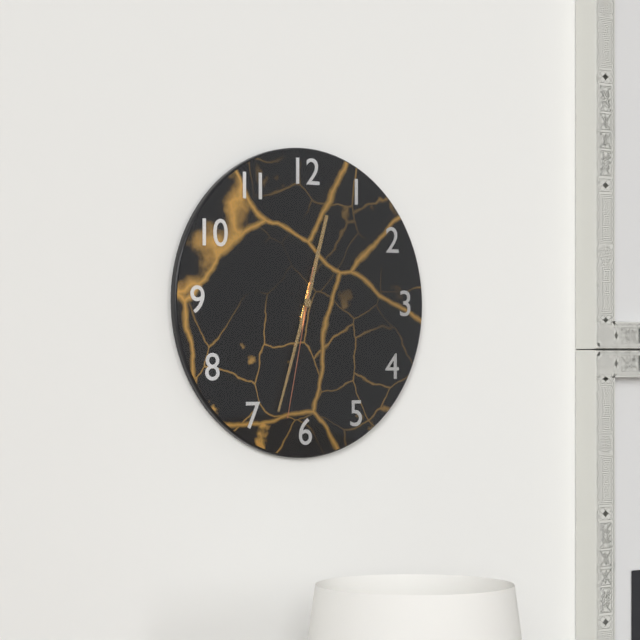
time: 12:33:32
